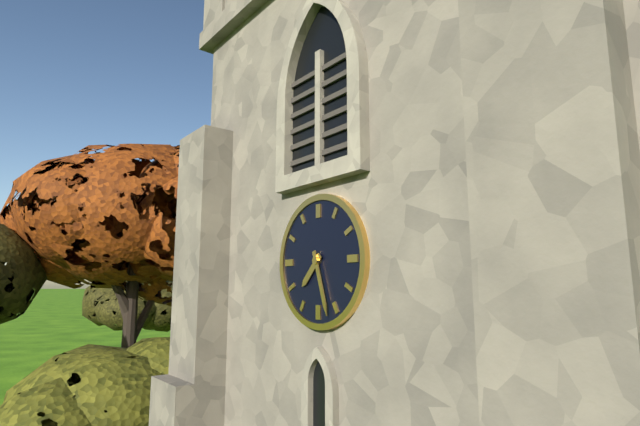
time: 7:27
